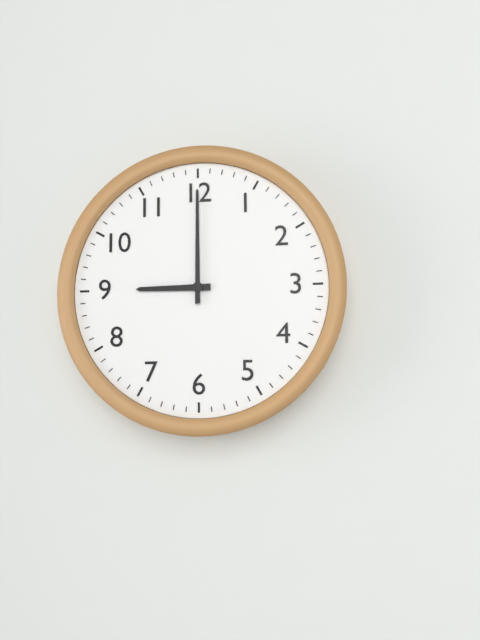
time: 9:00
